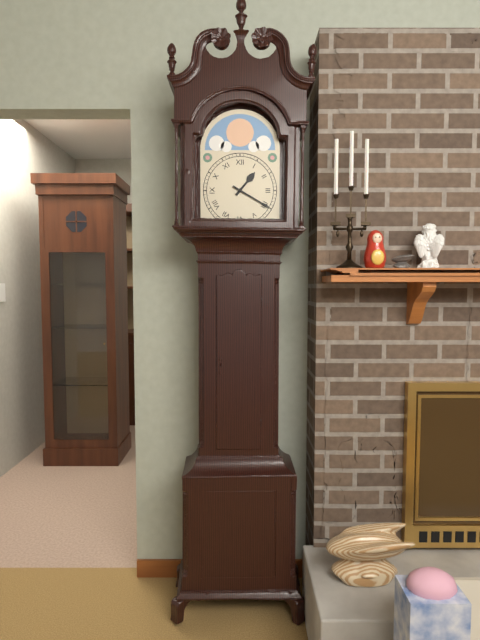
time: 1:20
